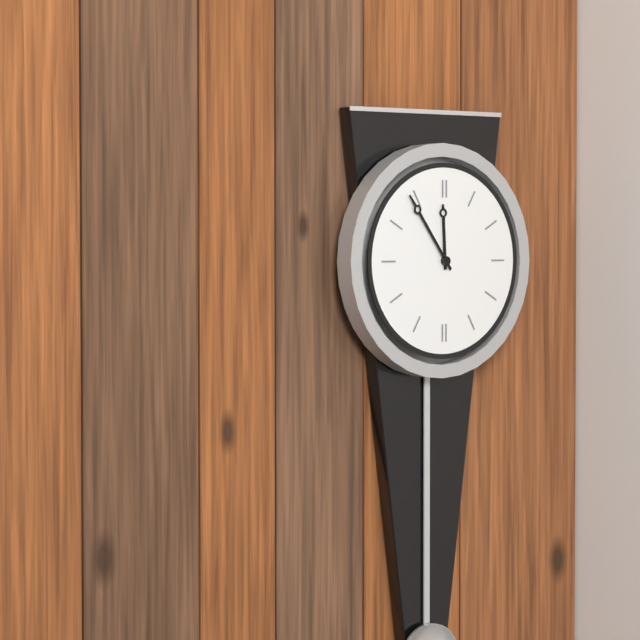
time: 11:54
